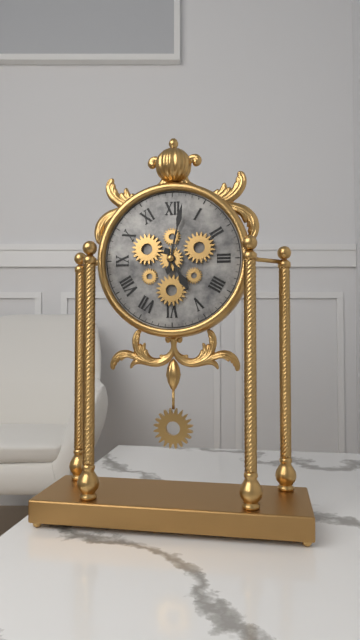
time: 5:02
